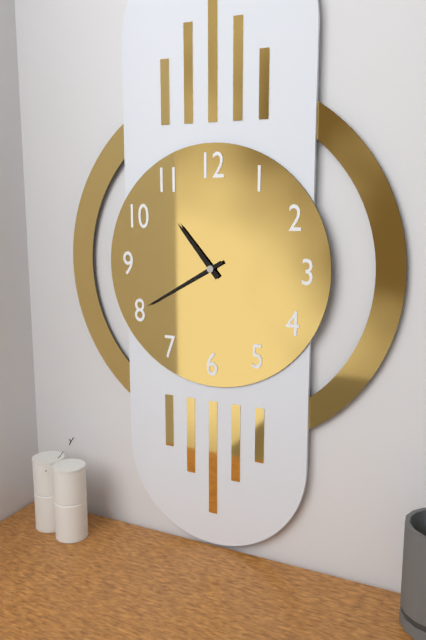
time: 10:40
